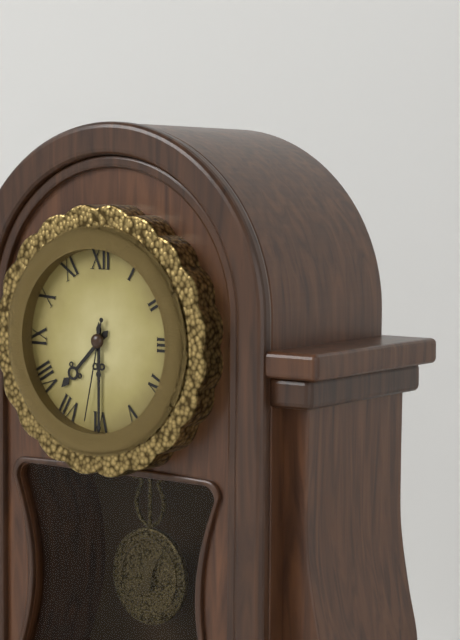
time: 7:30:32
